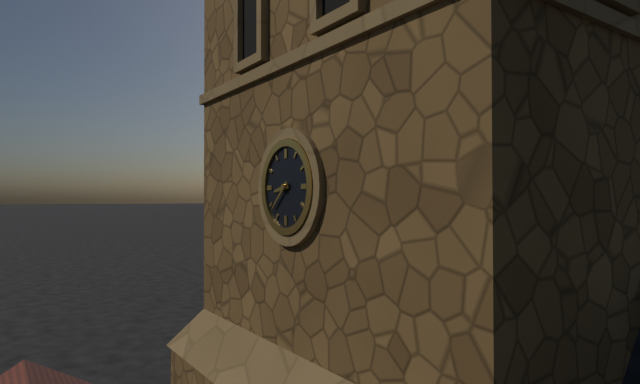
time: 8:38
